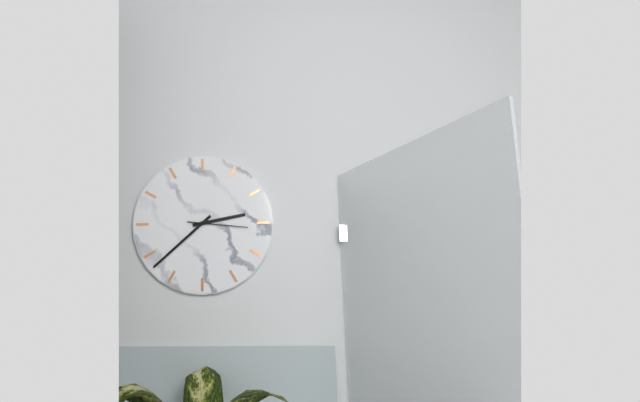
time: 2:38:16
